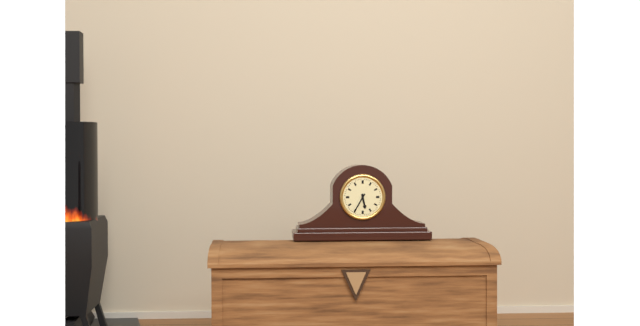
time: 5:35
